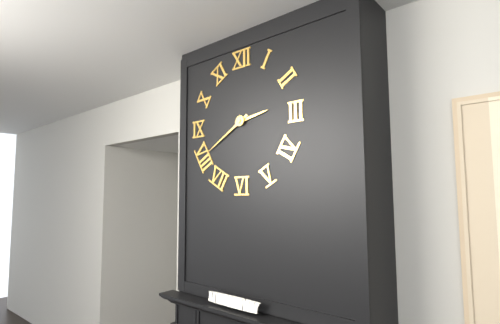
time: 2:40
